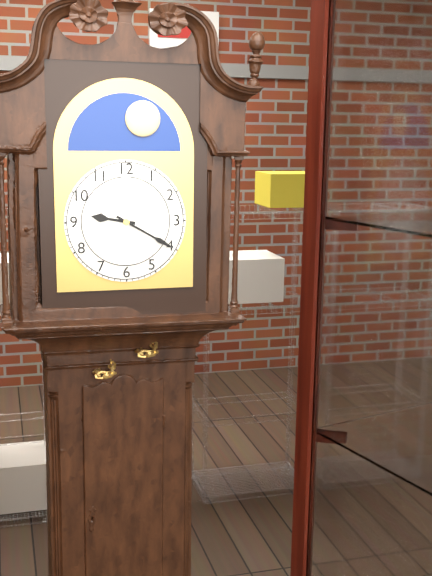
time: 9:20
